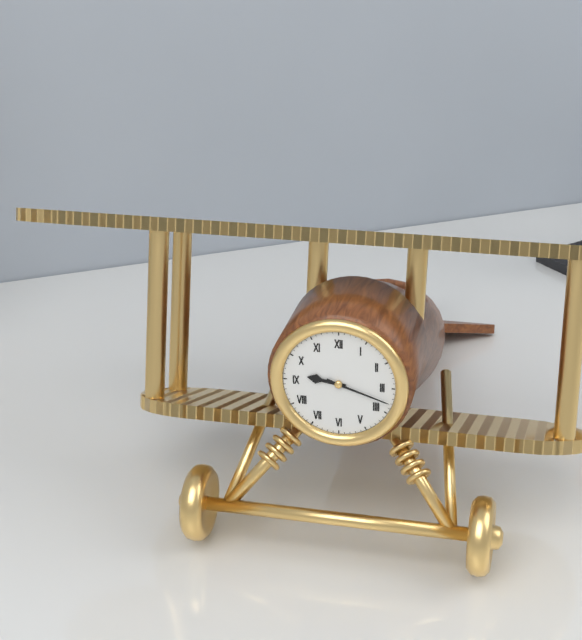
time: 9:18
